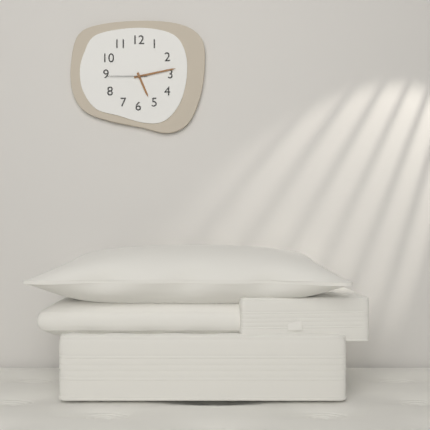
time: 5:13
